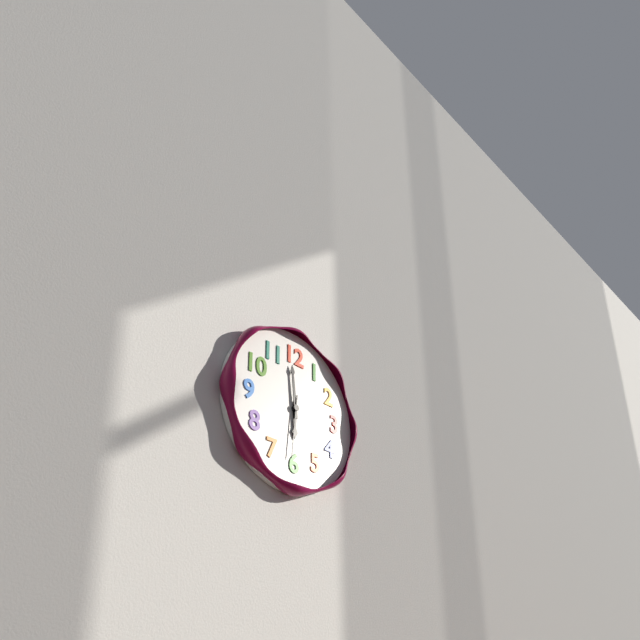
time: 5:59:31
